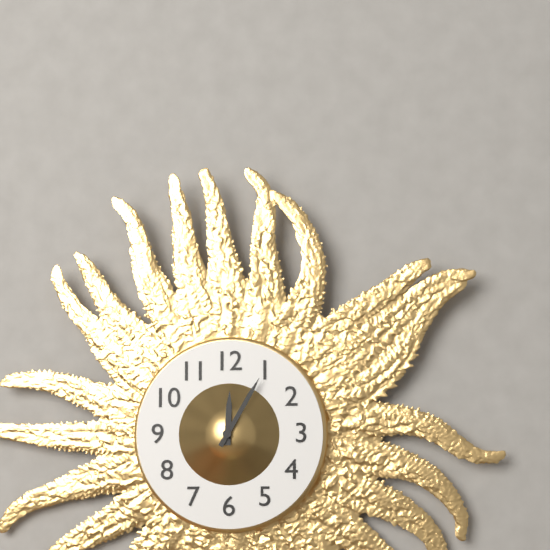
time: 12:05
